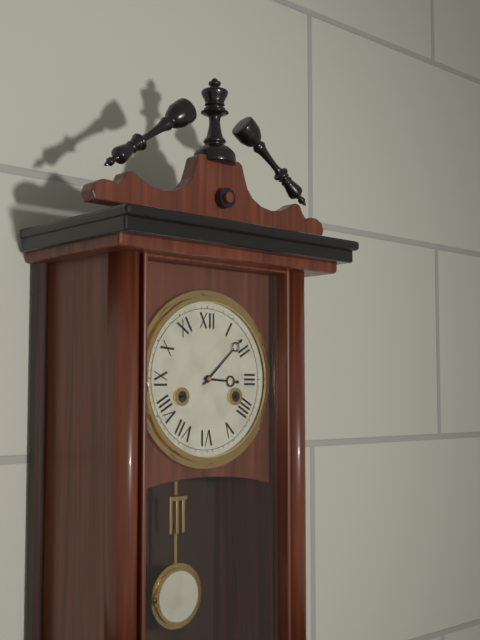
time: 3:08
